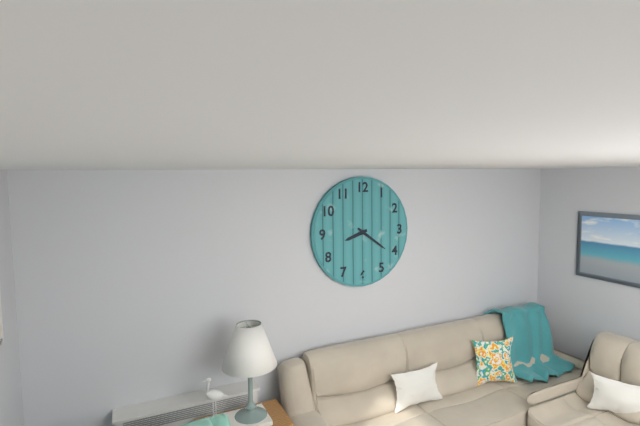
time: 8:21
